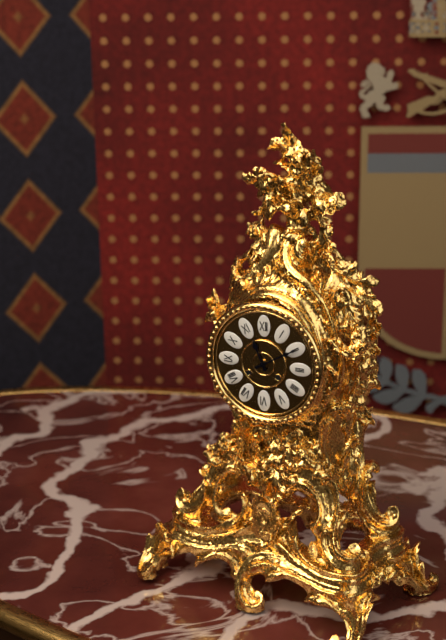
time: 11:10
